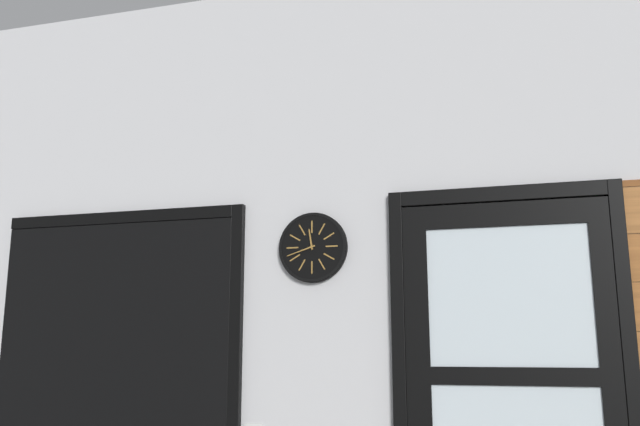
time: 11:42
